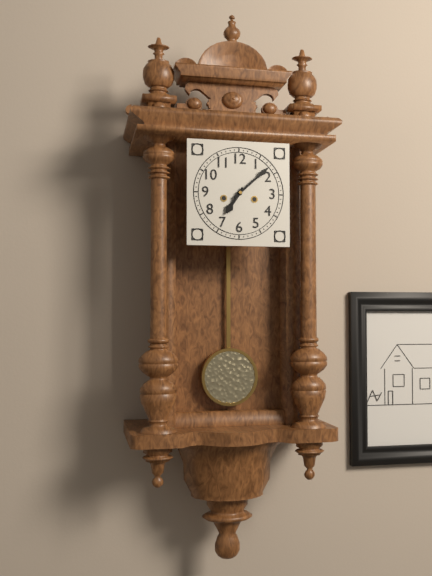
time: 7:08
